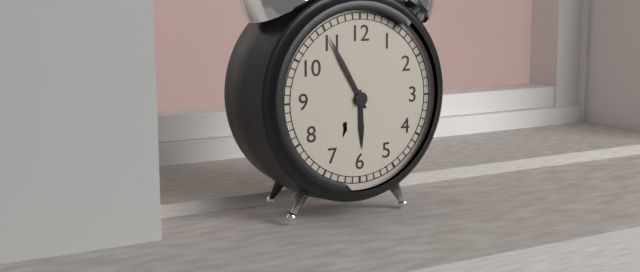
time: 5:55
